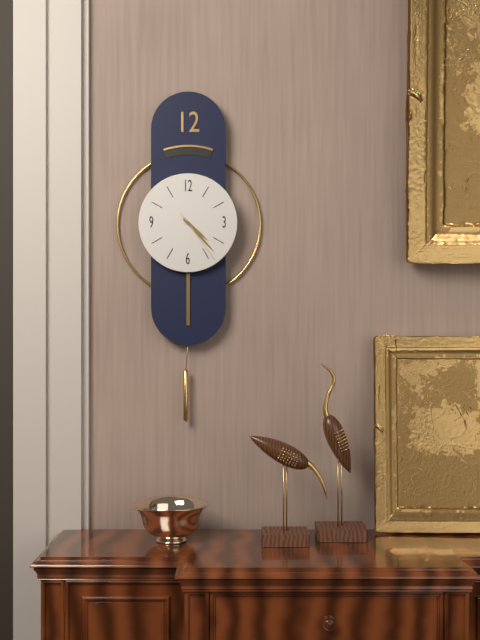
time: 4:23:24
